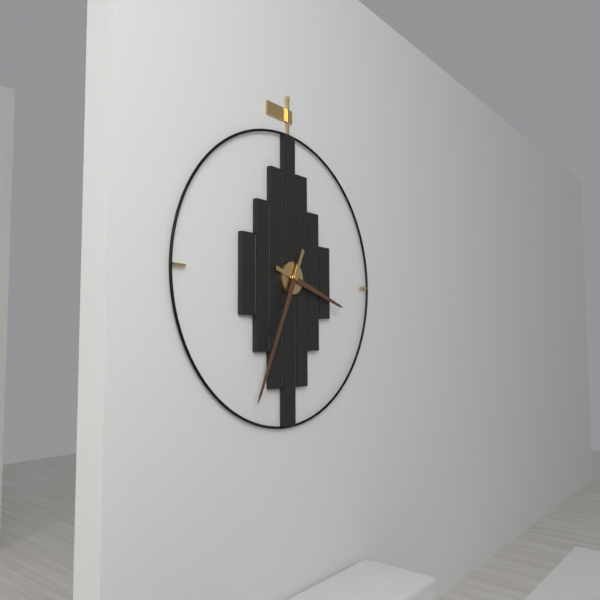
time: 3:34
